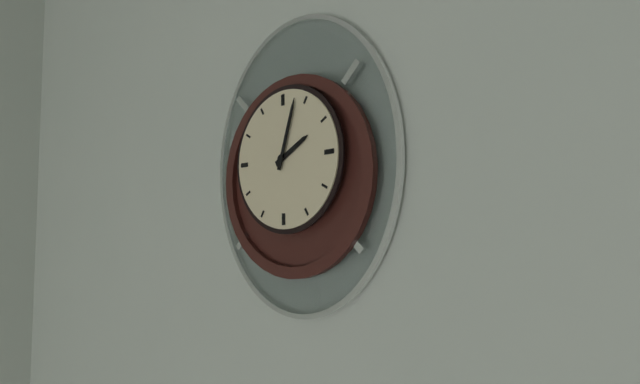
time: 2:03
